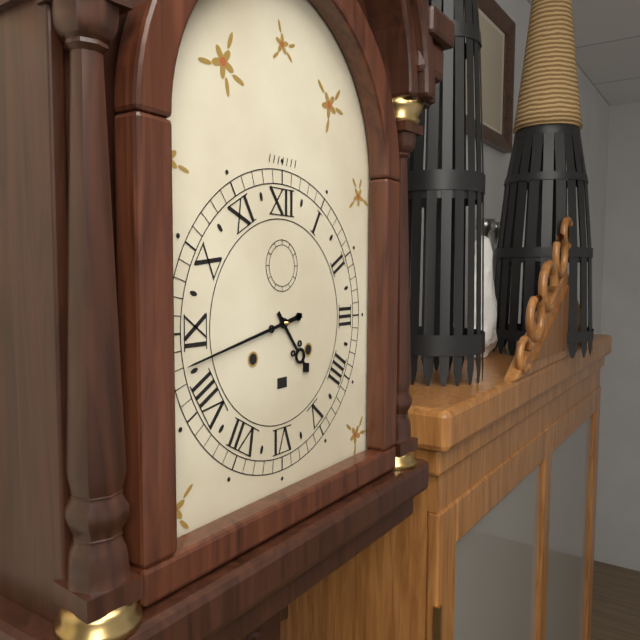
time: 4:43
